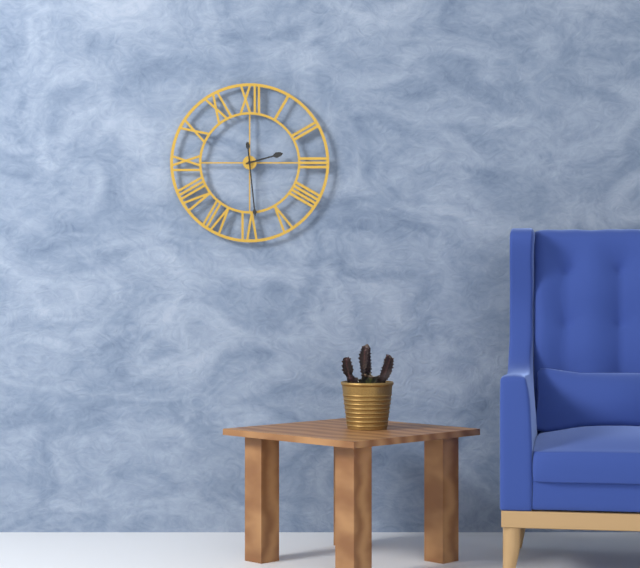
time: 2:29
